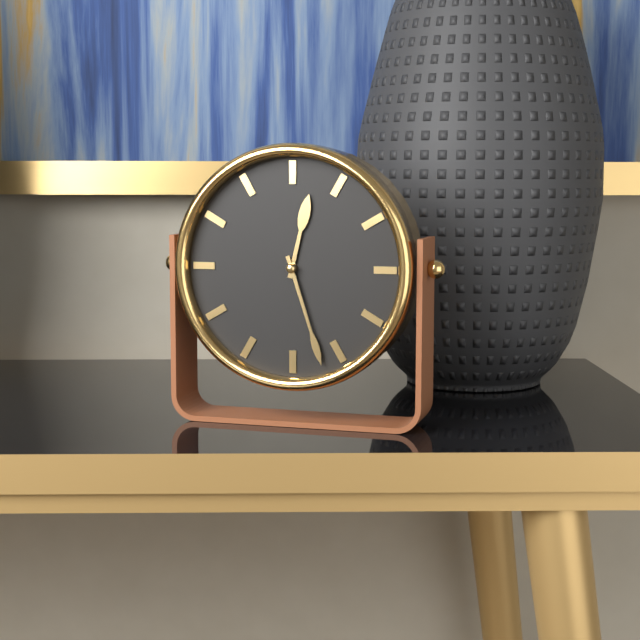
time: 12:27
